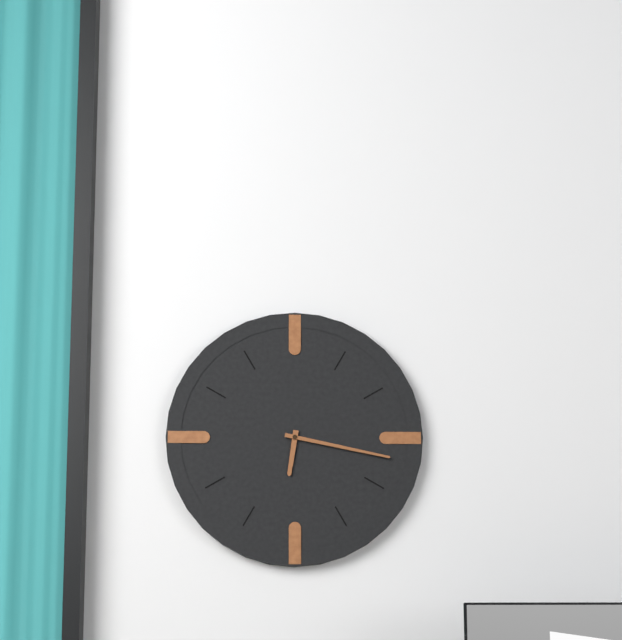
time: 6:17
